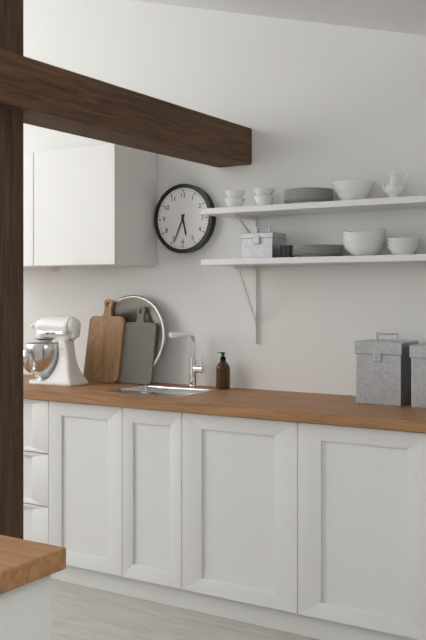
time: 5:34
